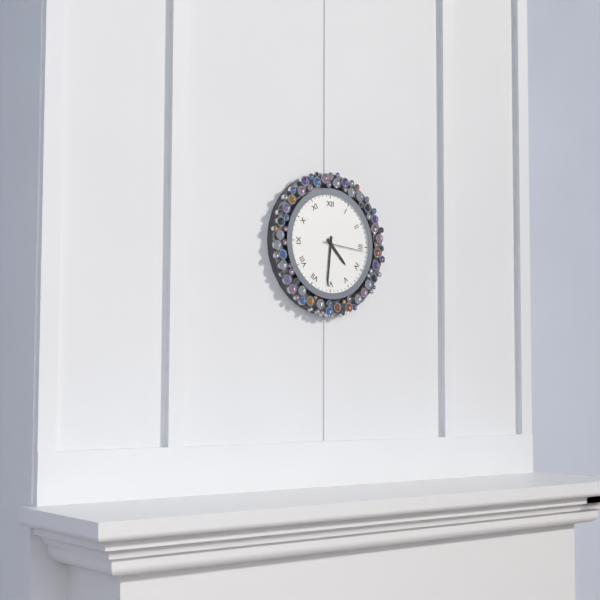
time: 4:31
